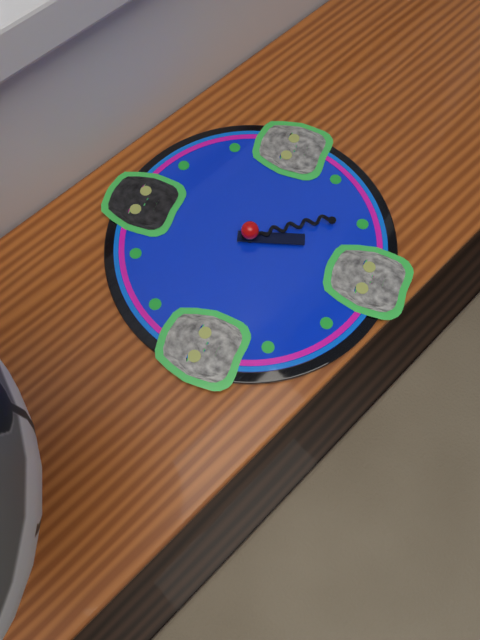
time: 5:24
